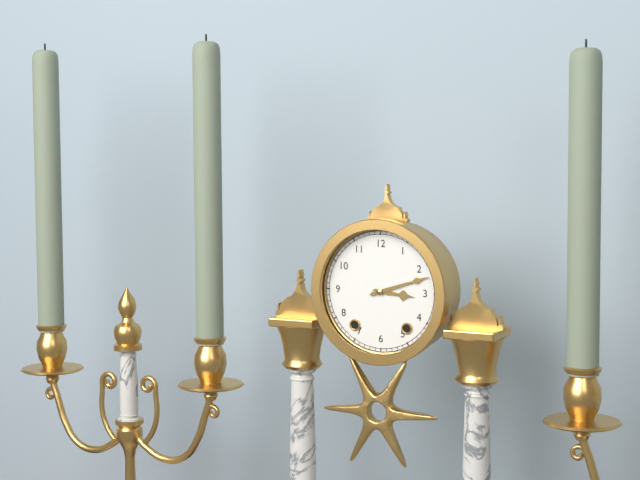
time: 3:12
